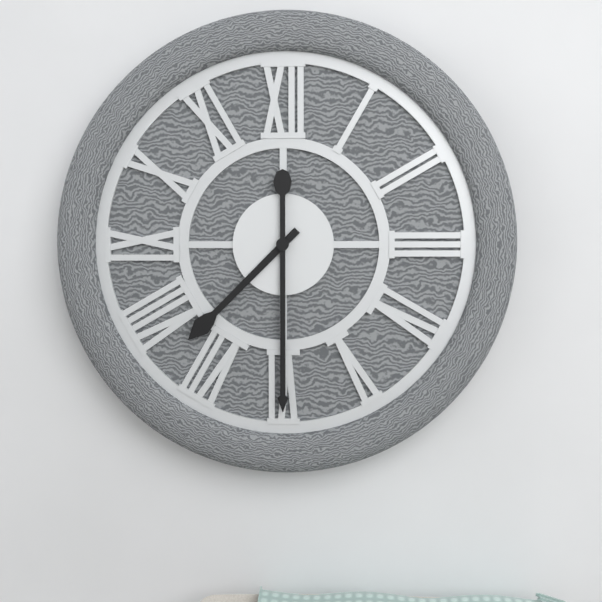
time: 7:30
